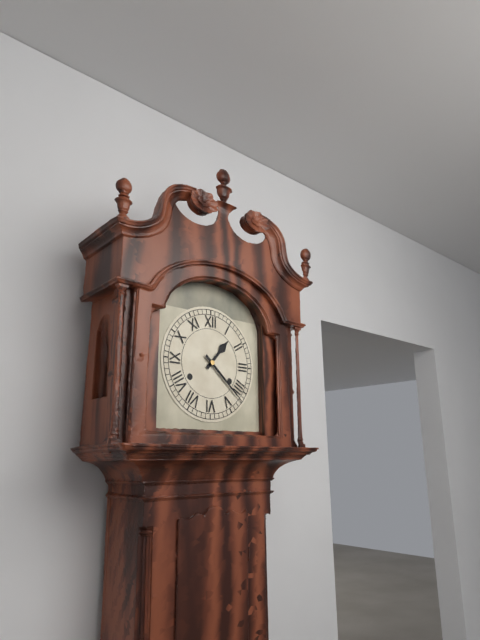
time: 1:22
